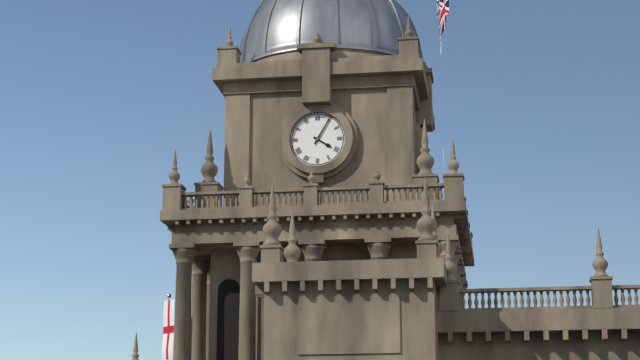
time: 4:05
